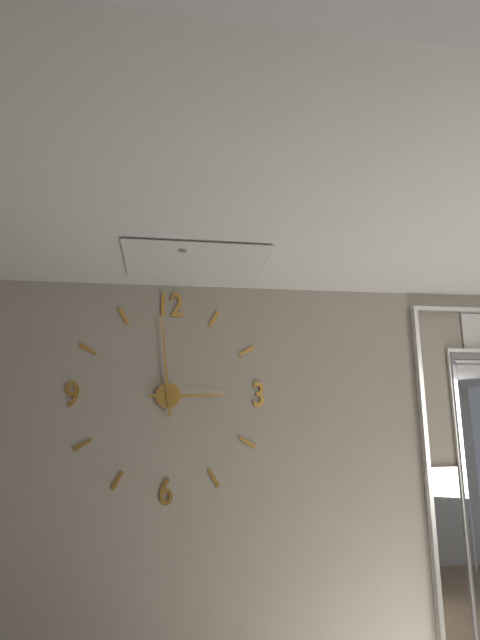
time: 2:59
